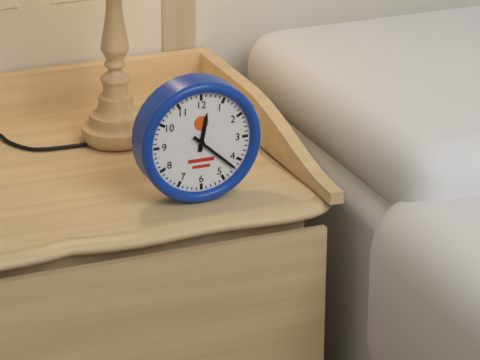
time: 12:22
